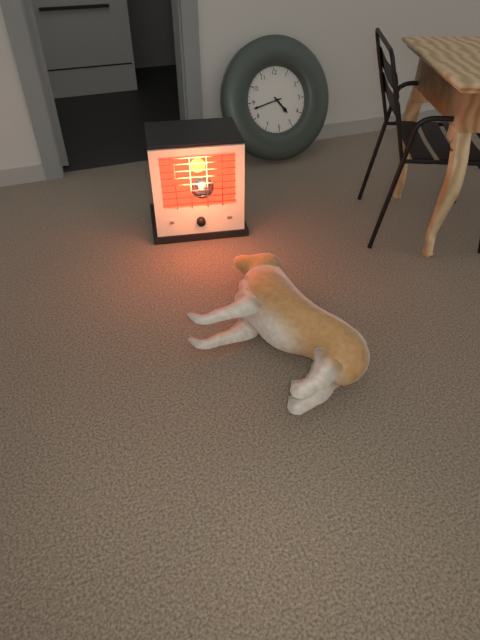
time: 4:43
